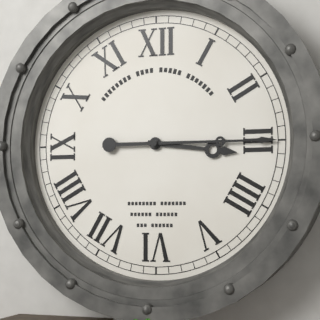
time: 3:15
